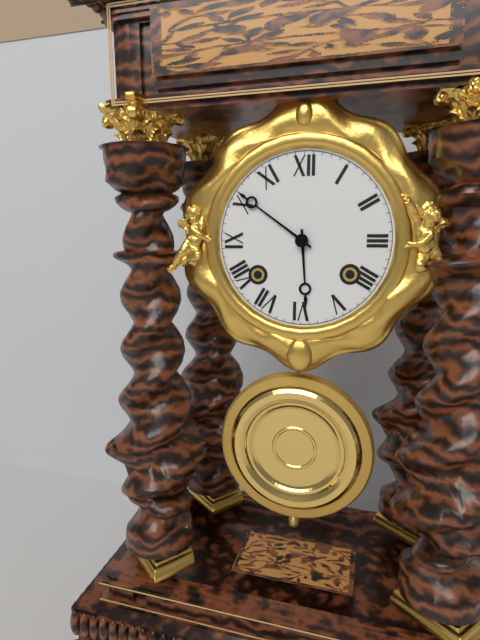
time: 5:51
